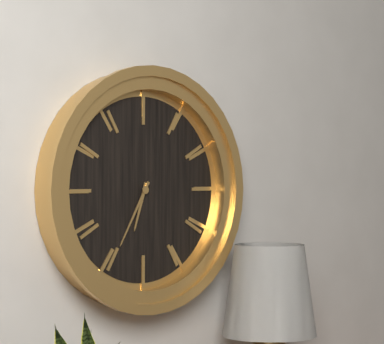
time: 6:35
